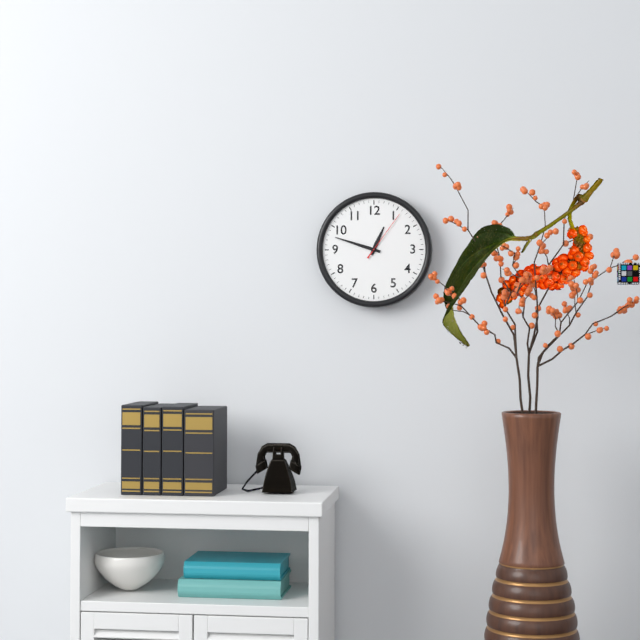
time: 12:48:06
